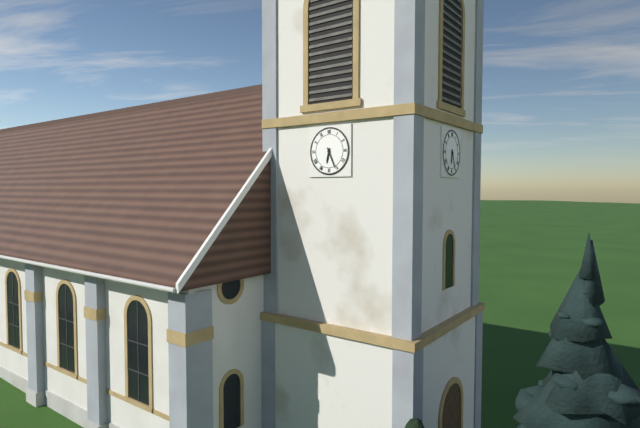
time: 6:26
